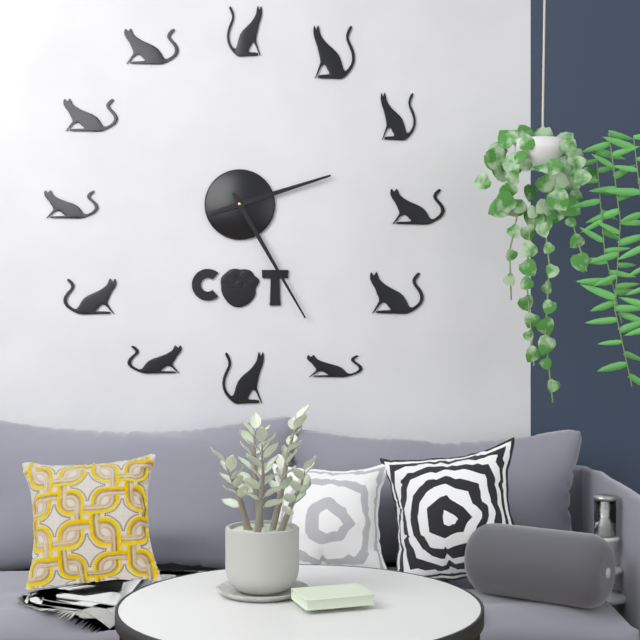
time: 2:25
